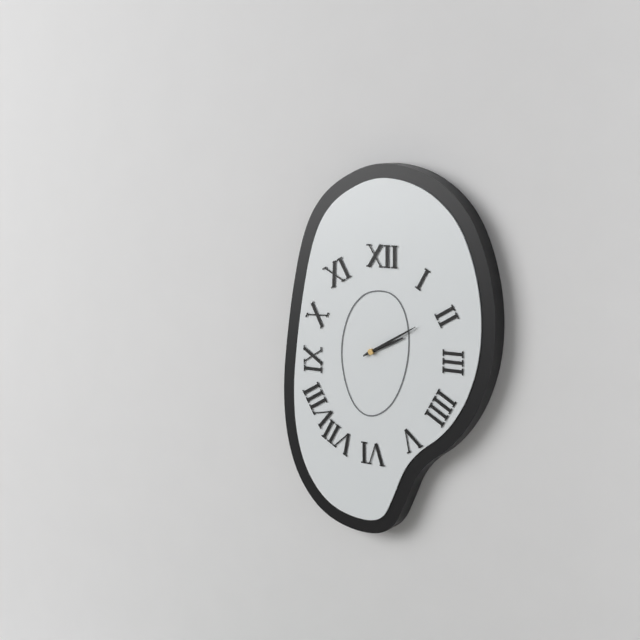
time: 2:10
